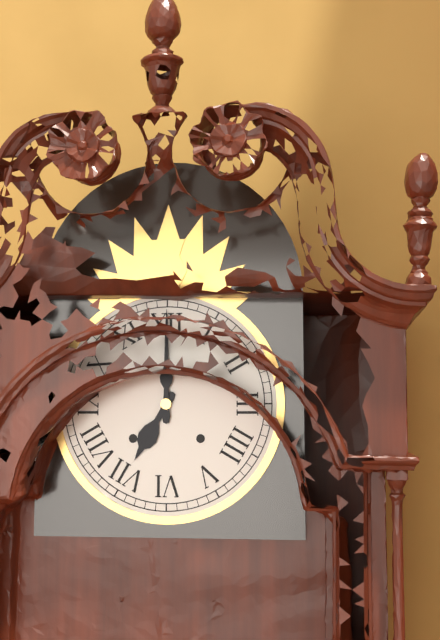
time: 7:00
